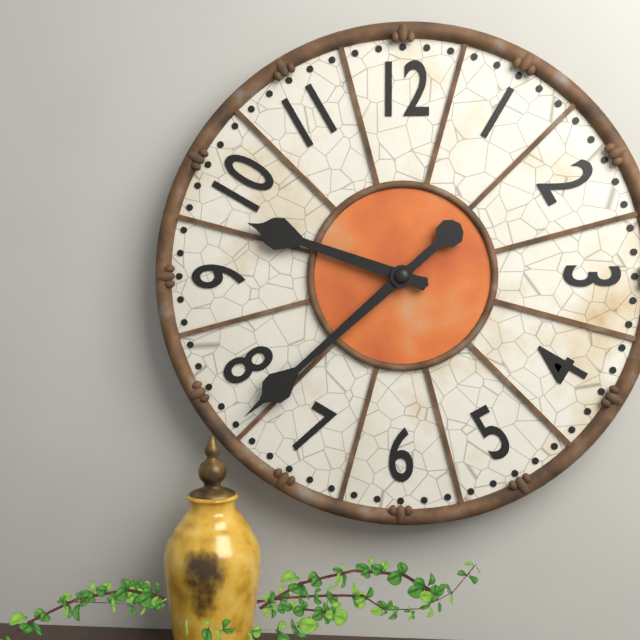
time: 9:38
